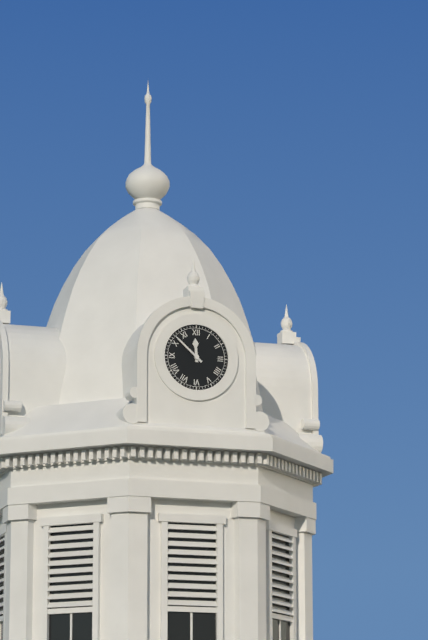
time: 11:52
